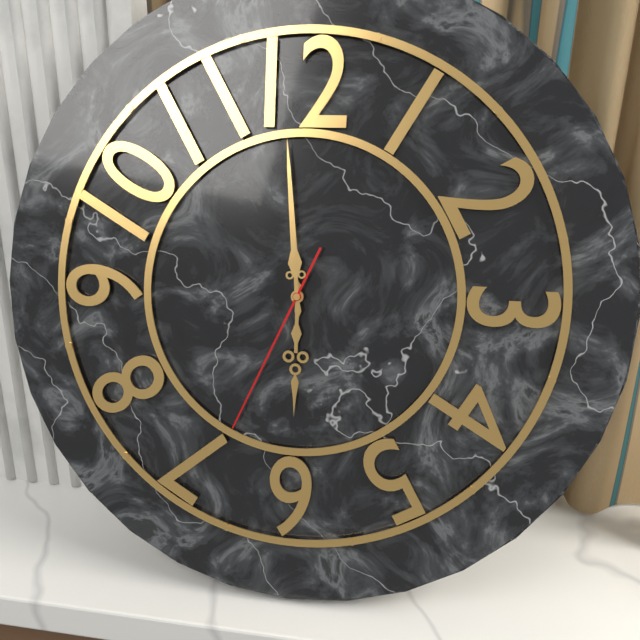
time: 5:59:34
